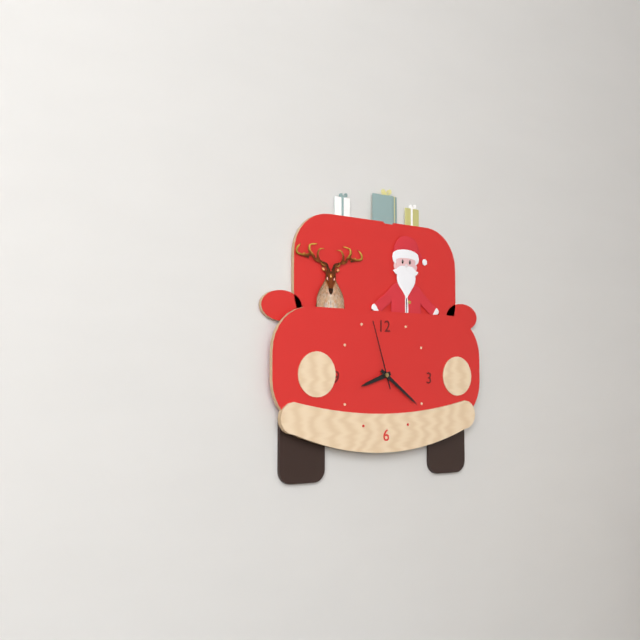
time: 8:21:57
